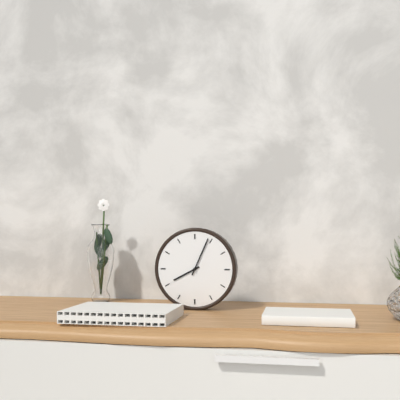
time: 8:04
